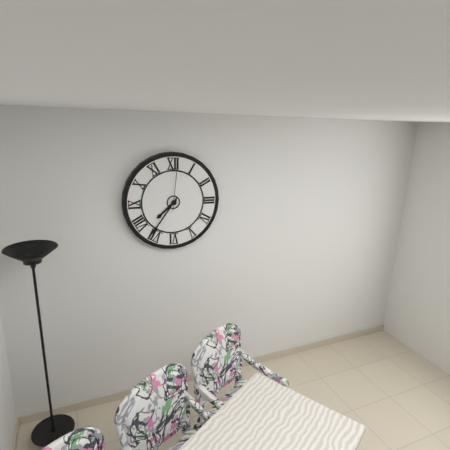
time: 7:36:01
